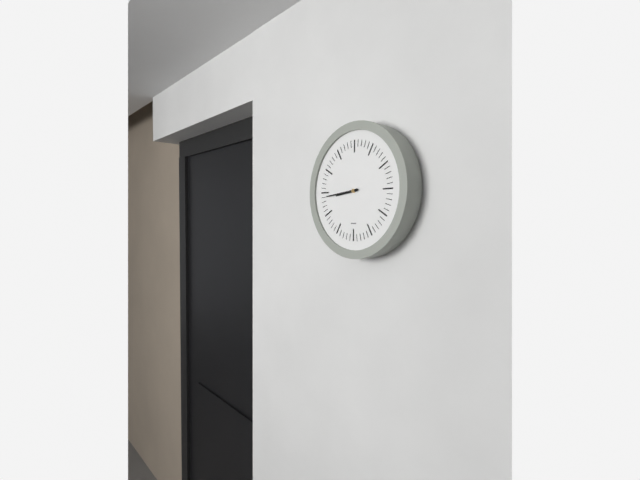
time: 8:44
